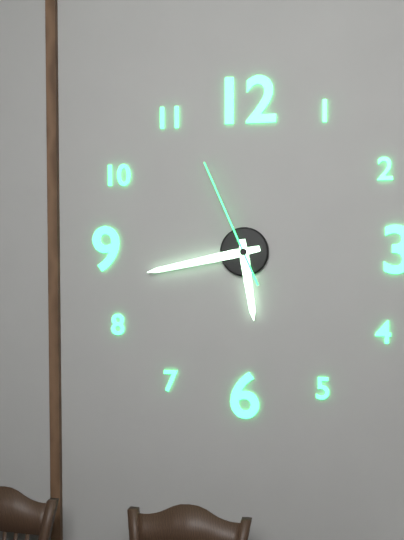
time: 5:43:56
